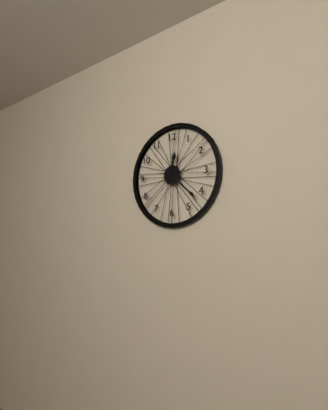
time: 12:22
